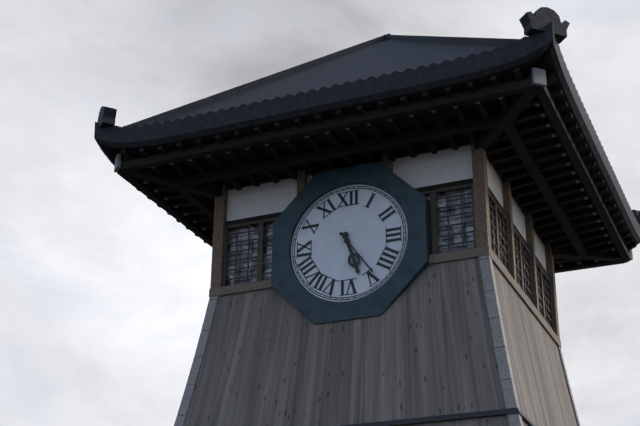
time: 5:24
